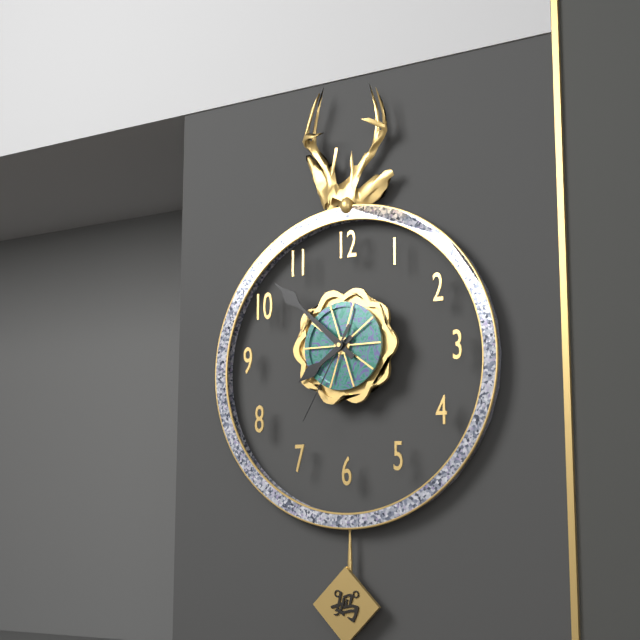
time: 7:52:35
